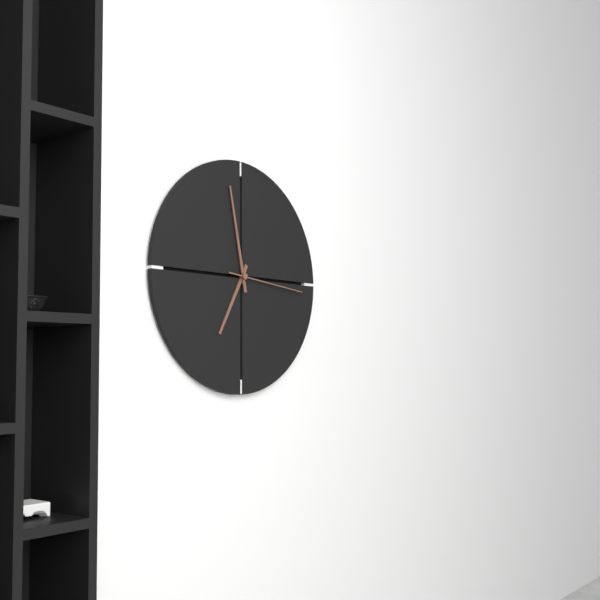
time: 6:58:16
